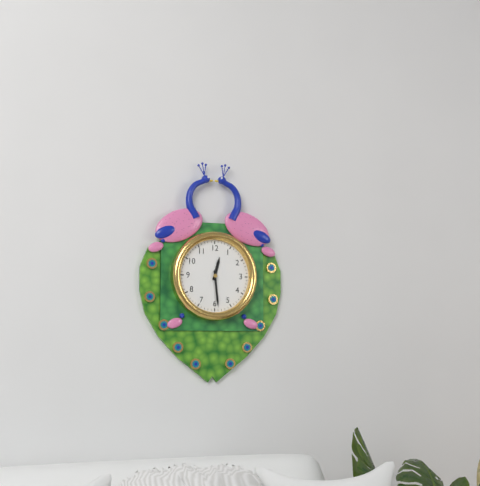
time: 12:29
